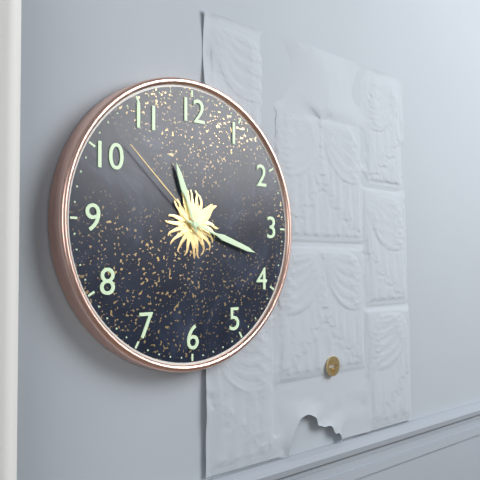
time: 11:18:52
